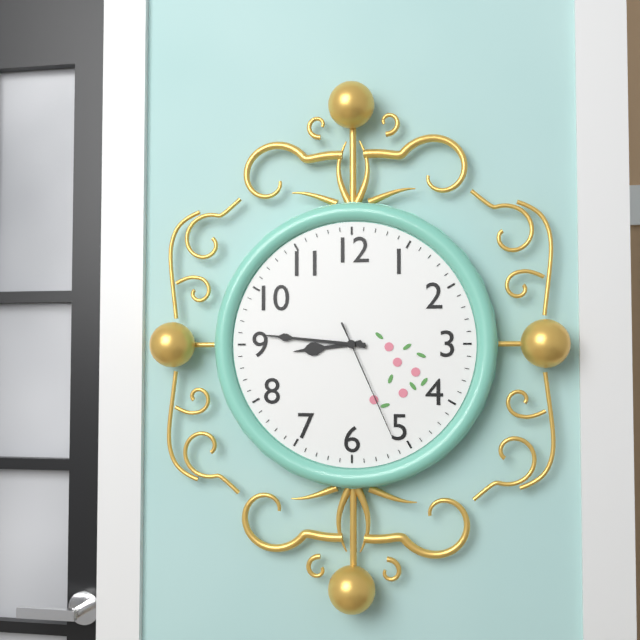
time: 8:46:26
